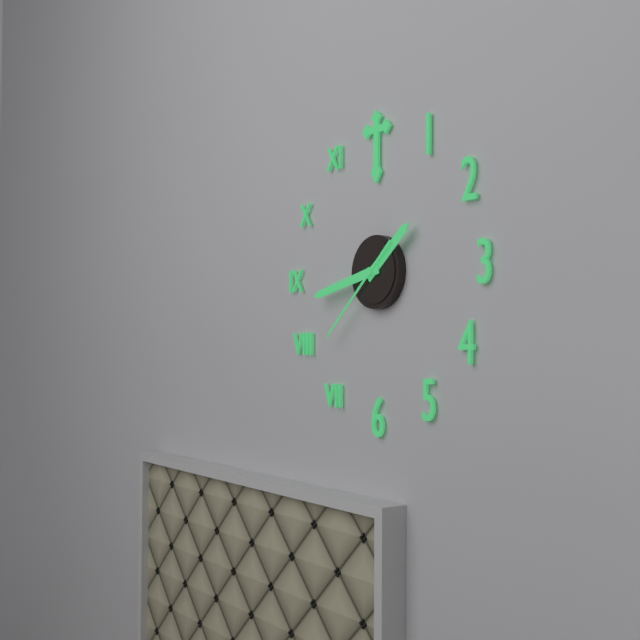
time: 1:43:38
